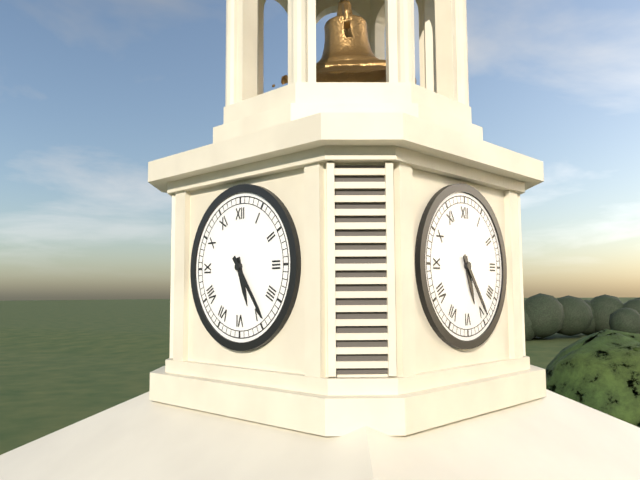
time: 5:24
